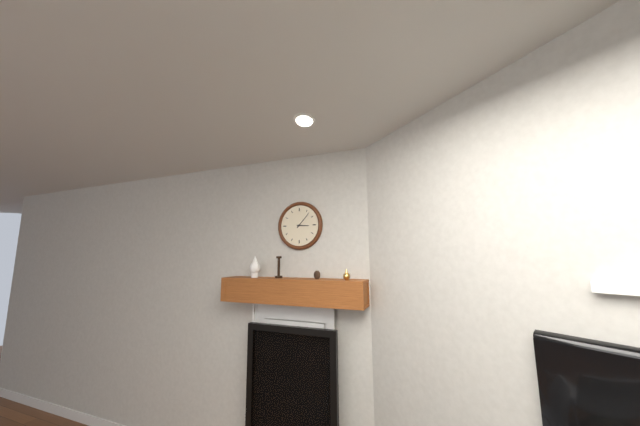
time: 3:07
